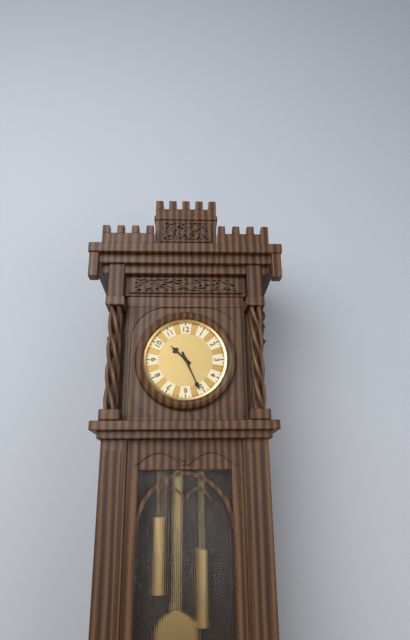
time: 10:26
